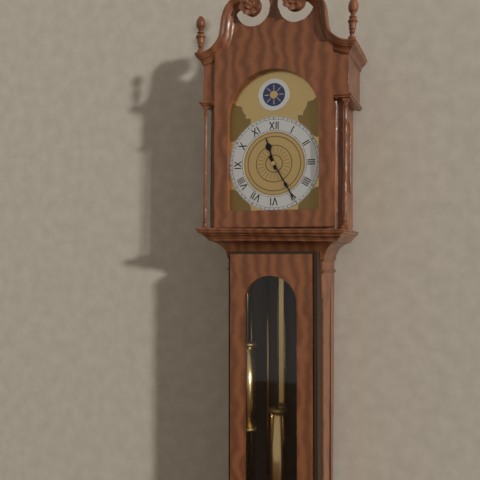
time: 11:25
